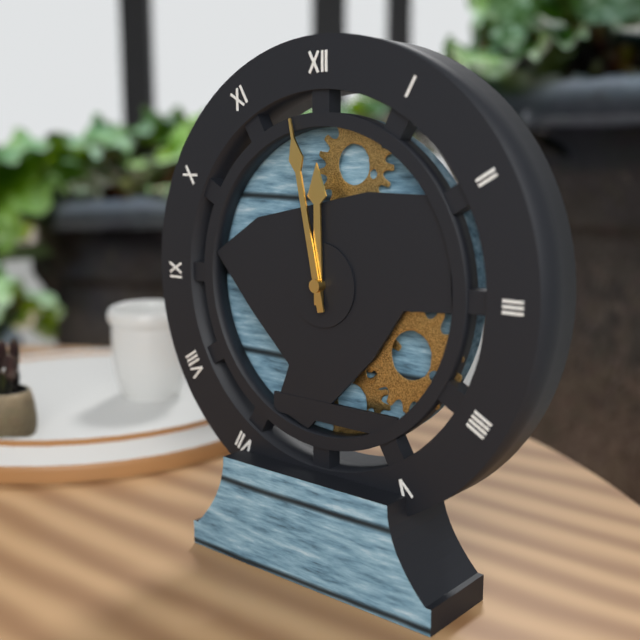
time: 11:58
